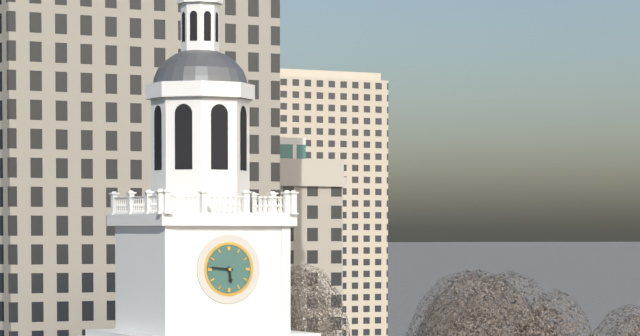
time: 5:46
